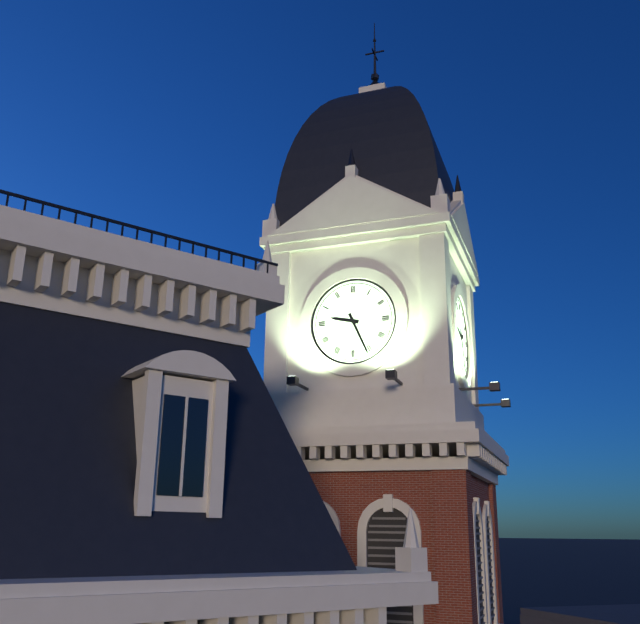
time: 9:26
